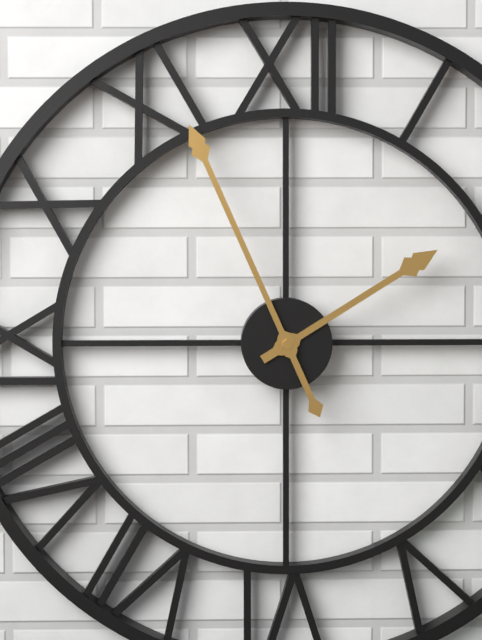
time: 1:56
